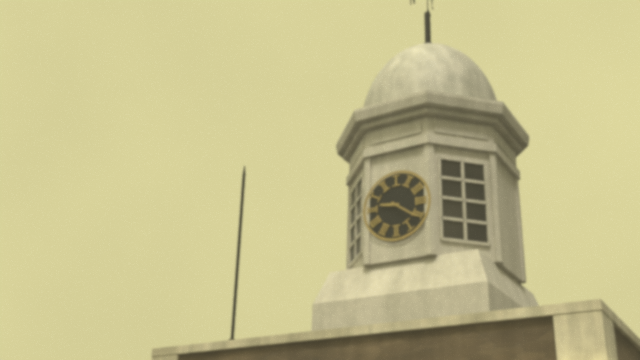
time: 9:21
